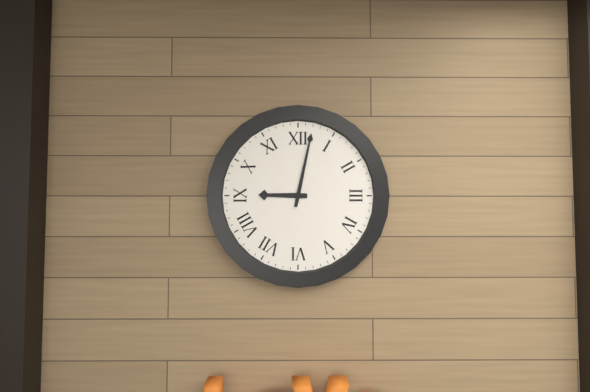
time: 9:02
